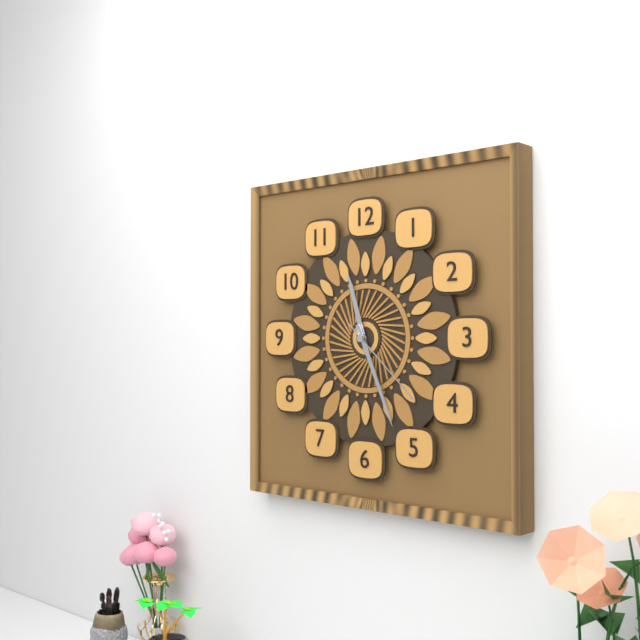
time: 11:26:22
